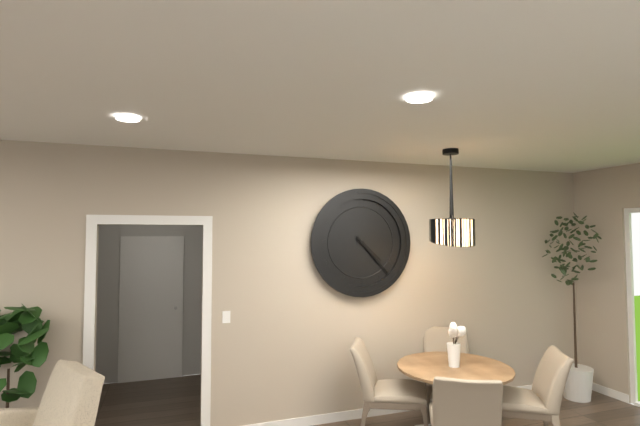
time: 4:23
